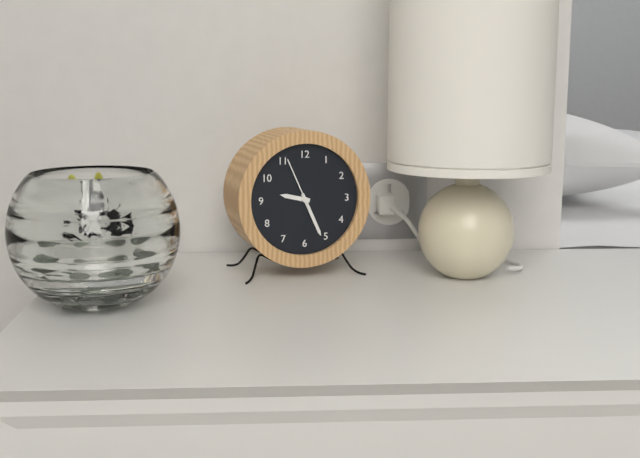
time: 9:26:56
